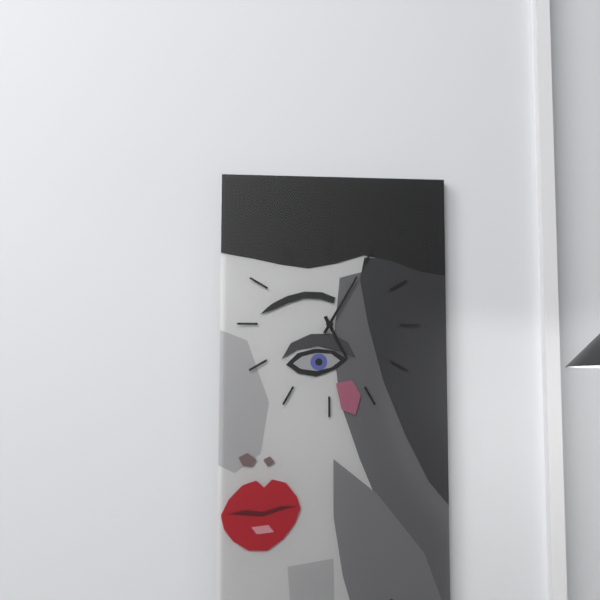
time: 5:05
